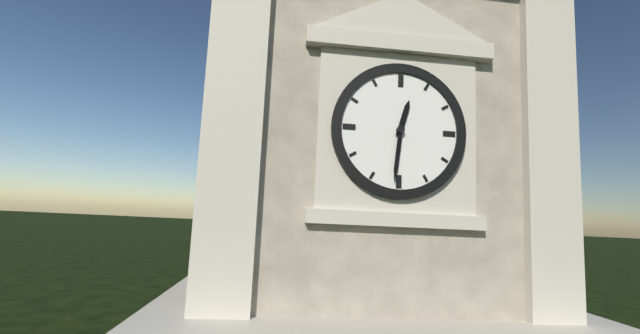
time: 12:31
